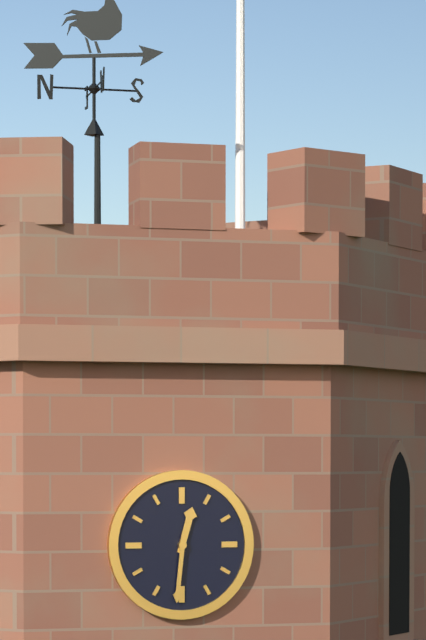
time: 12:31
